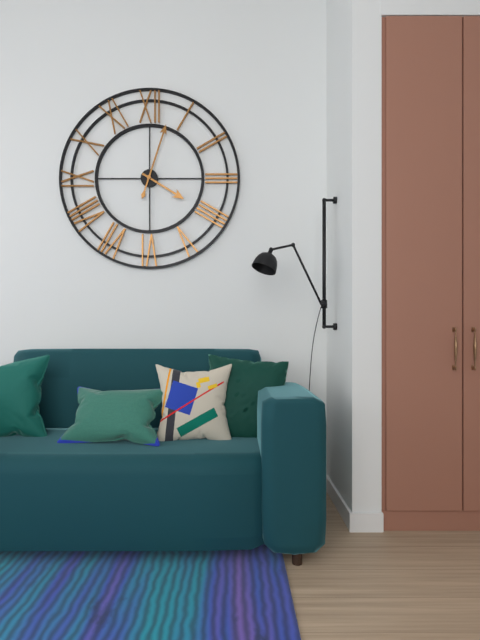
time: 4:03
